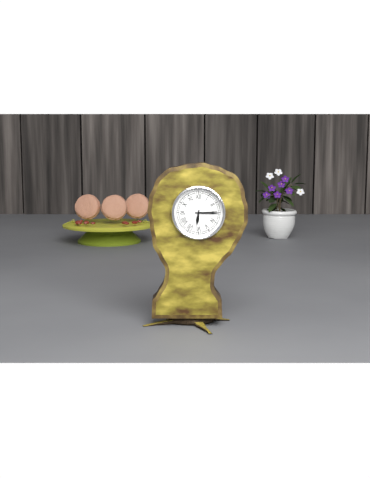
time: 6:15
